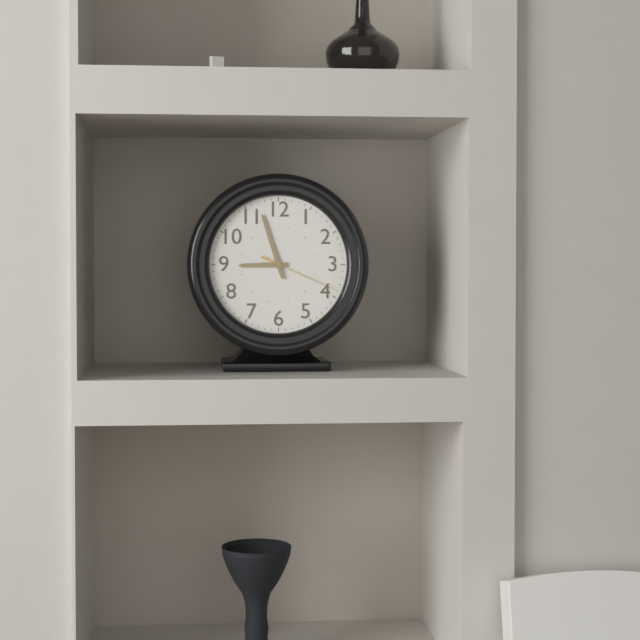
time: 8:57:19
